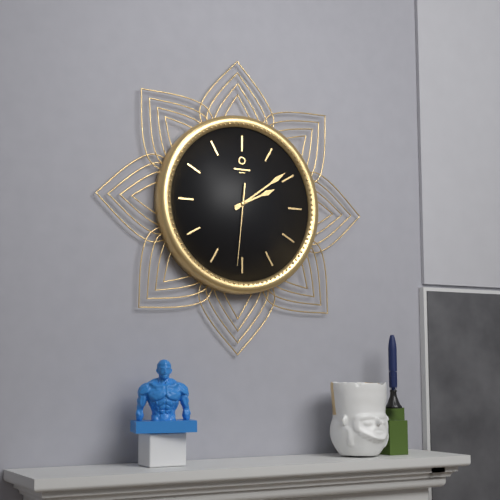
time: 2:09:31
